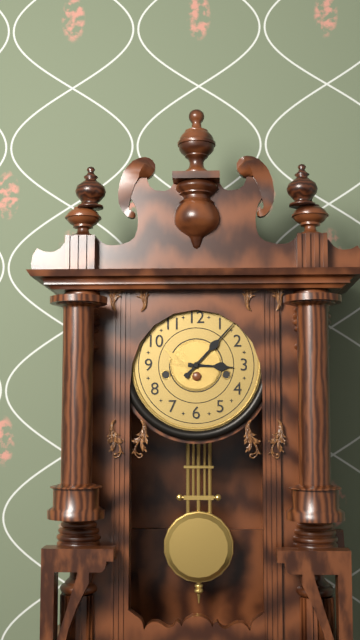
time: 3:07
